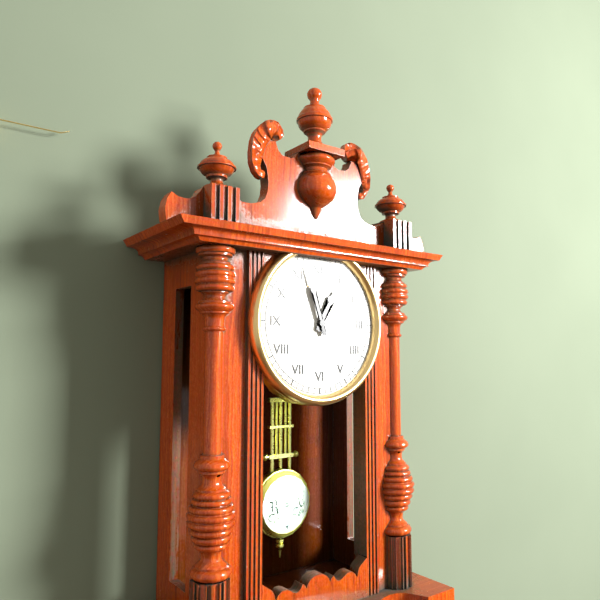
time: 12:57
